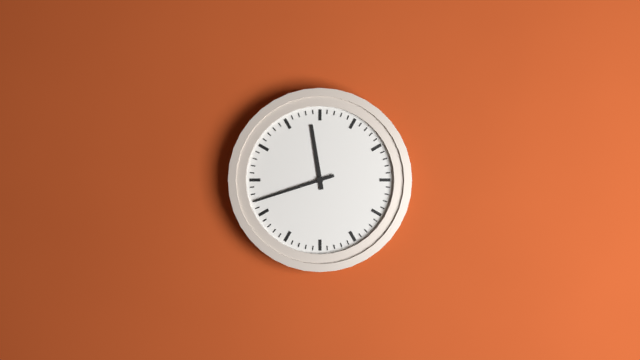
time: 11:42
